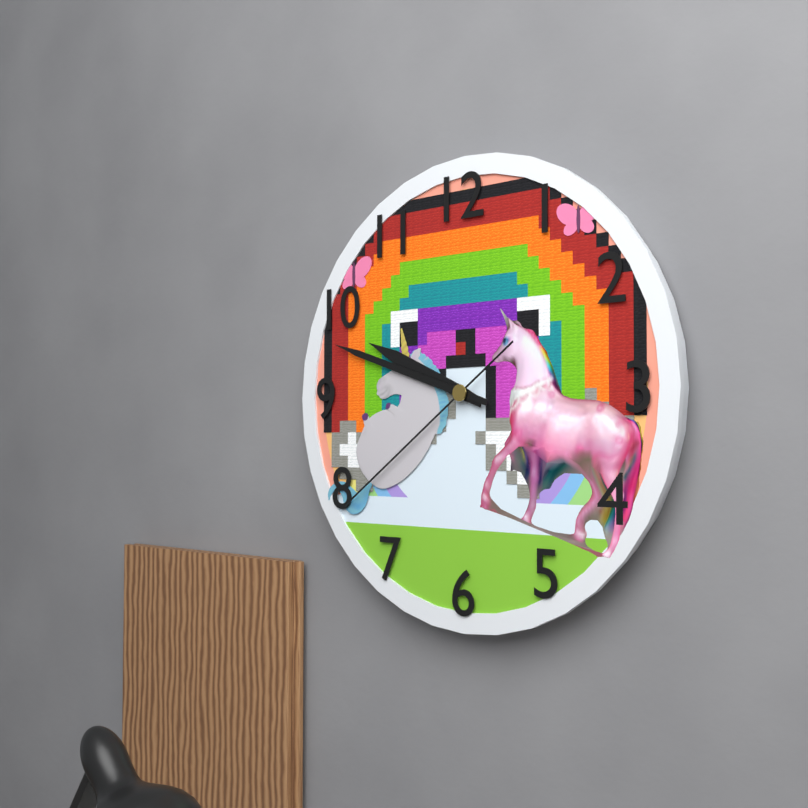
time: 9:48:39
